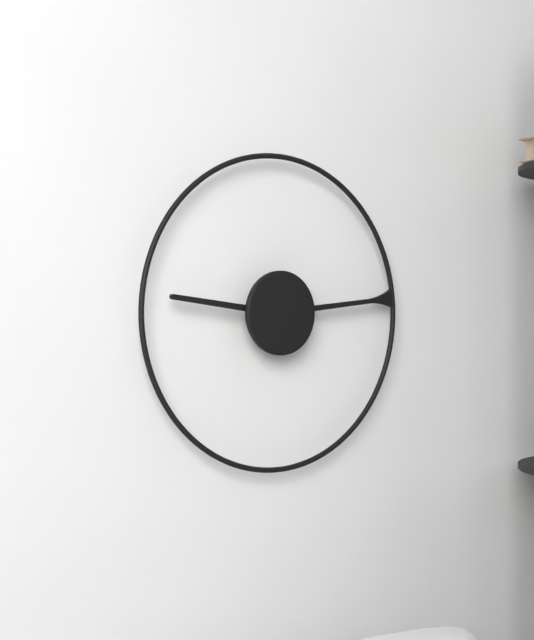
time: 9:14
